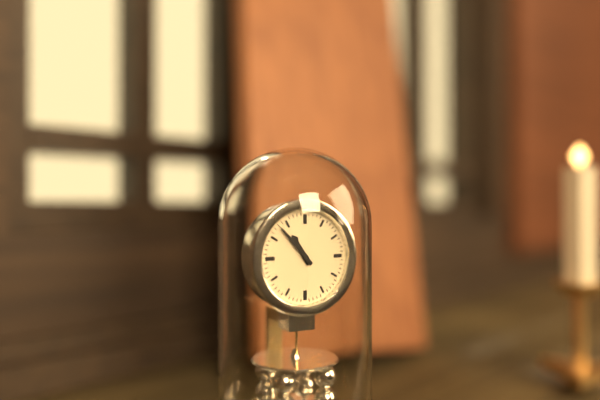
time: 10:53
